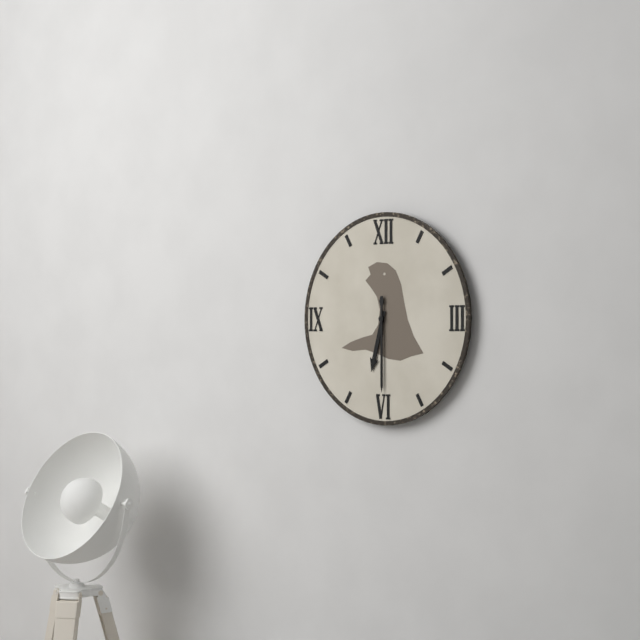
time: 6:30
